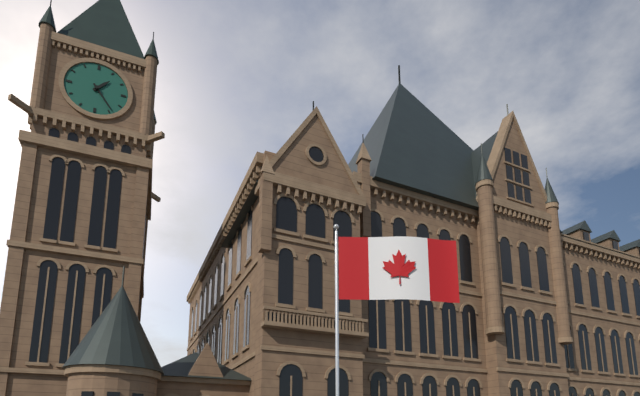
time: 1:24
